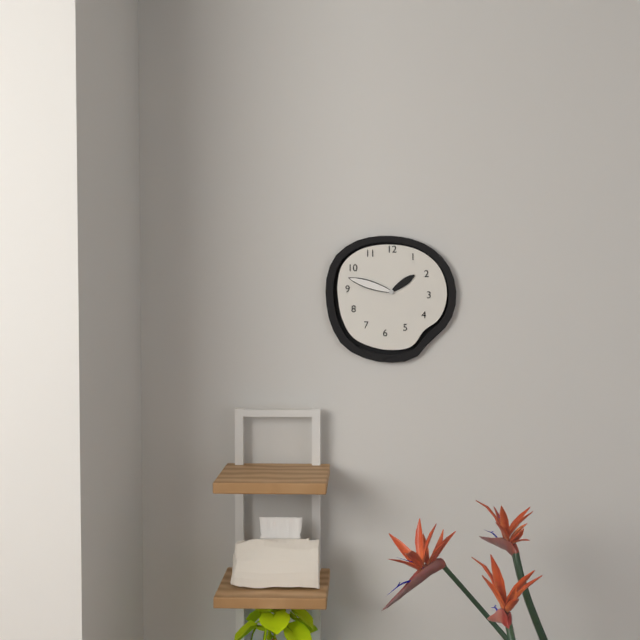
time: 1:48
